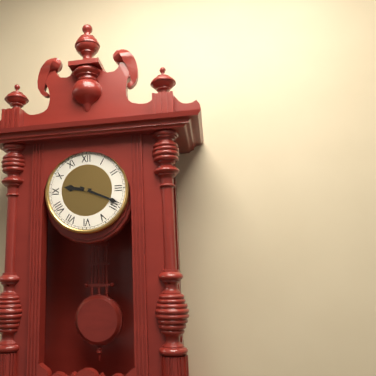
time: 9:19
